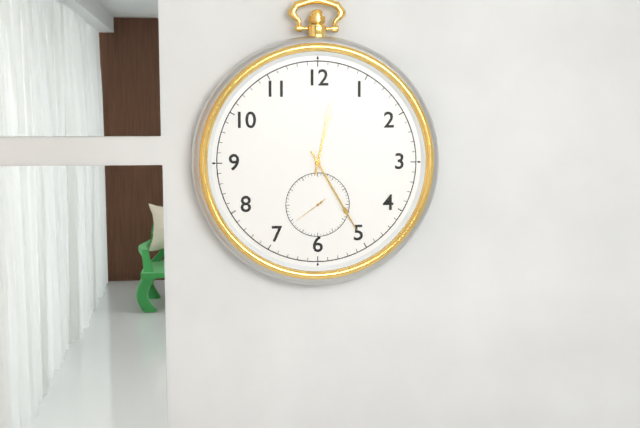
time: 12:25
